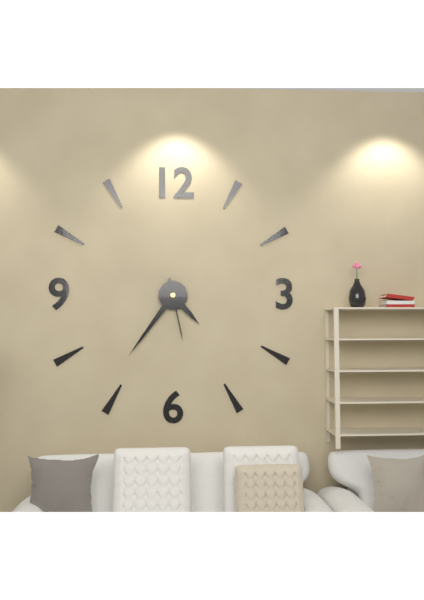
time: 4:36:28
